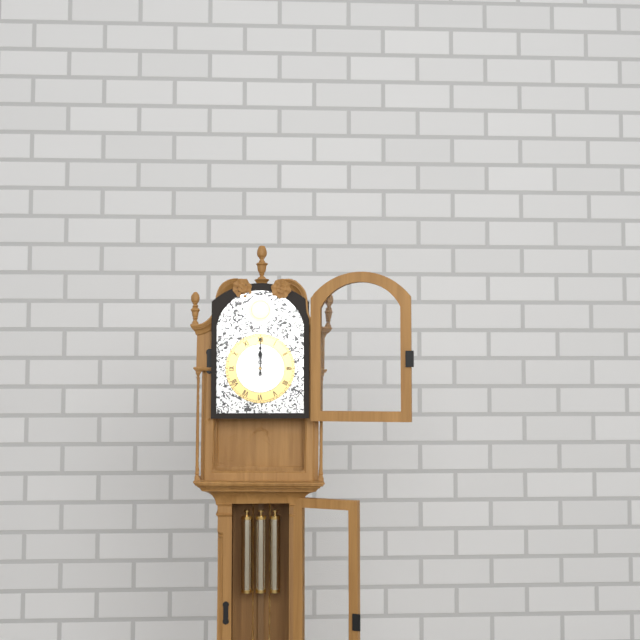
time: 12:00
